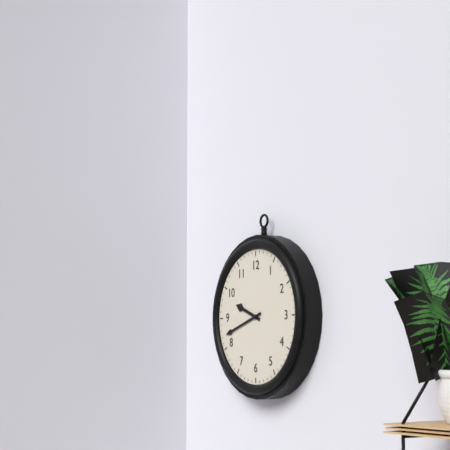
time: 9:42
